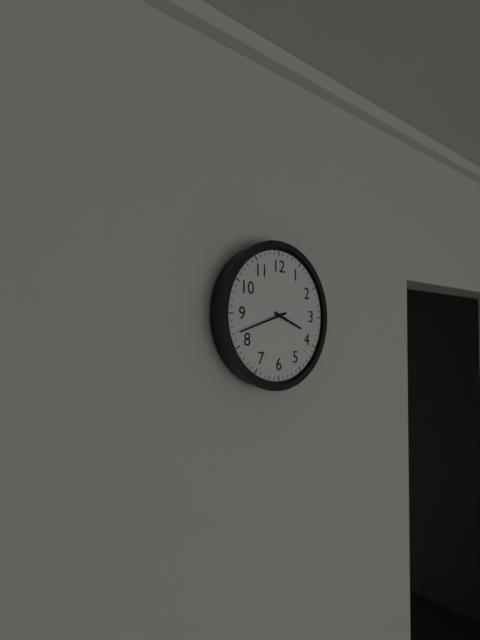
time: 3:42
